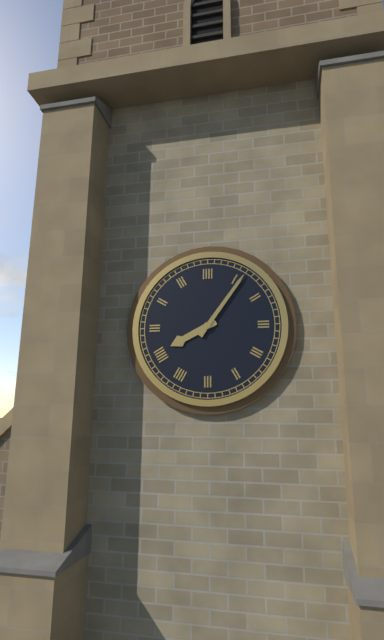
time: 8:06
